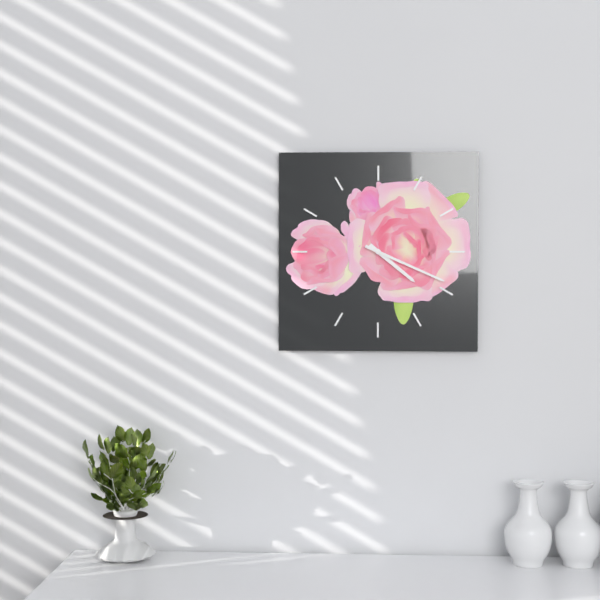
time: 4:19
